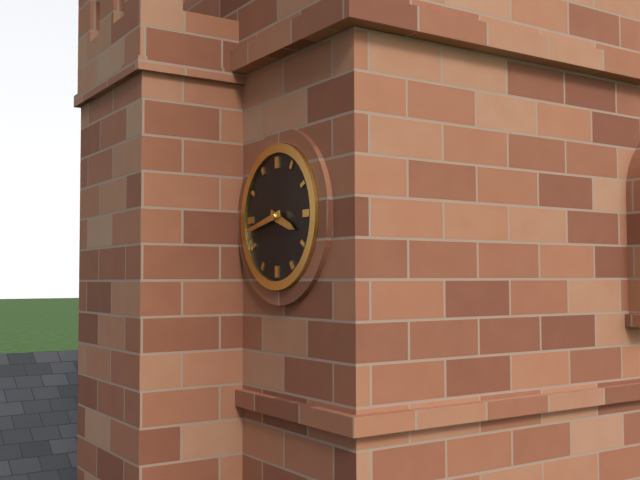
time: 3:43
